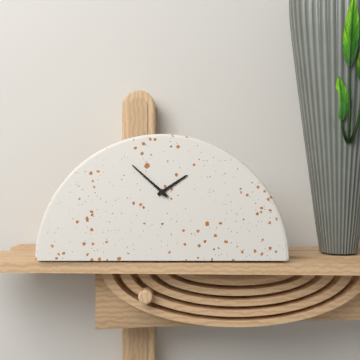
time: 1:52
